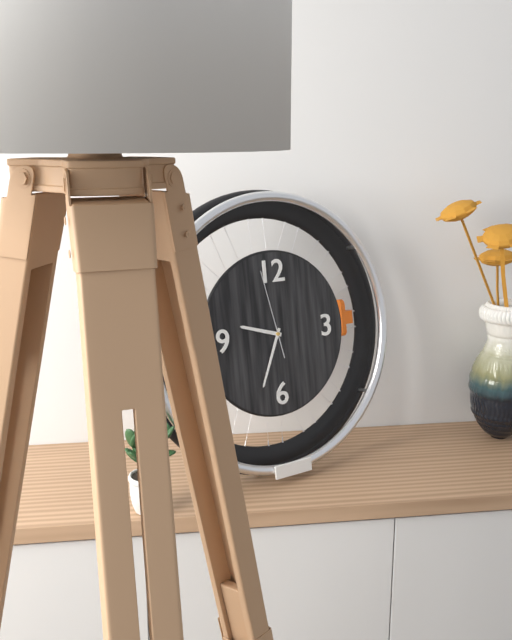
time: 9:34:58
